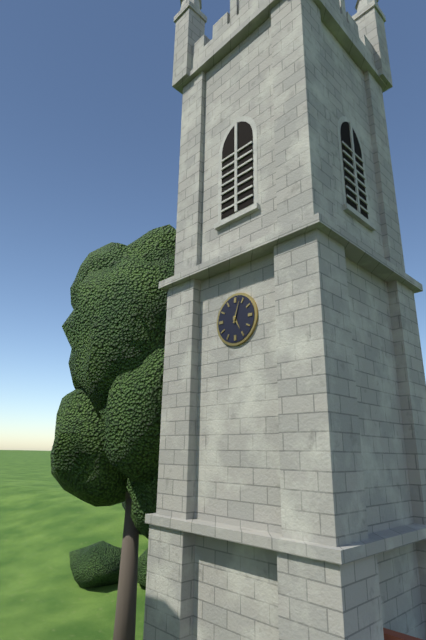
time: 5:03
